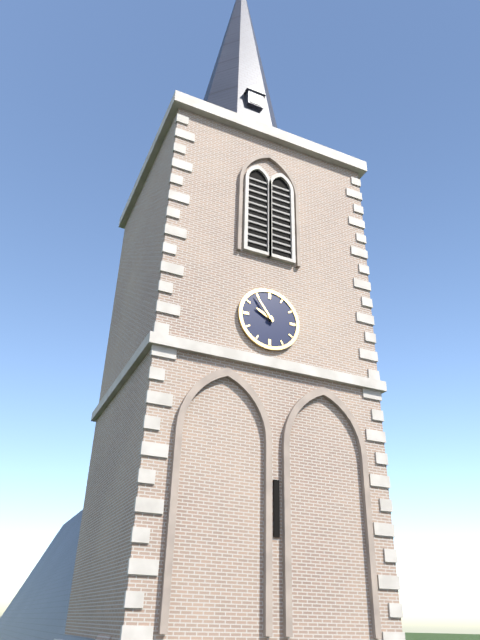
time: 9:54
